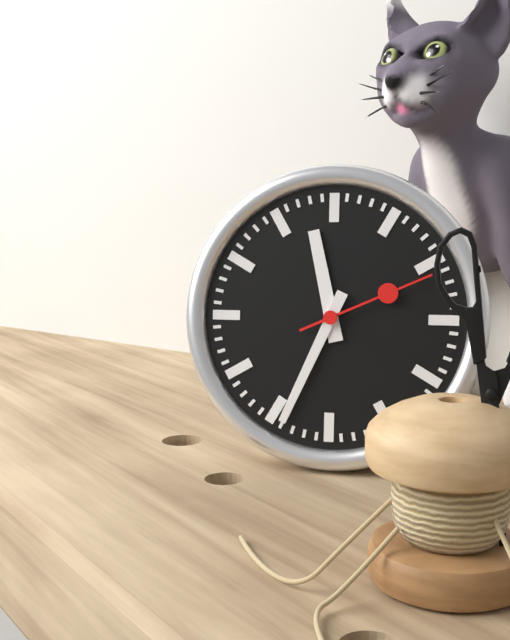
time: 11:34:11
